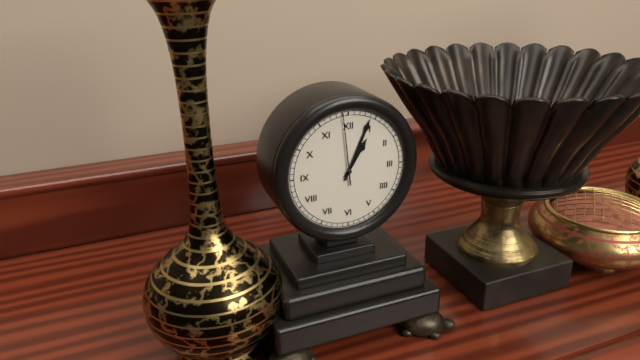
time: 1:04:59
